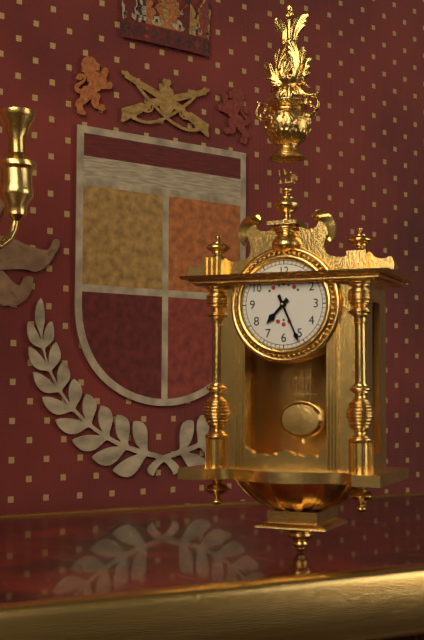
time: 7:26
